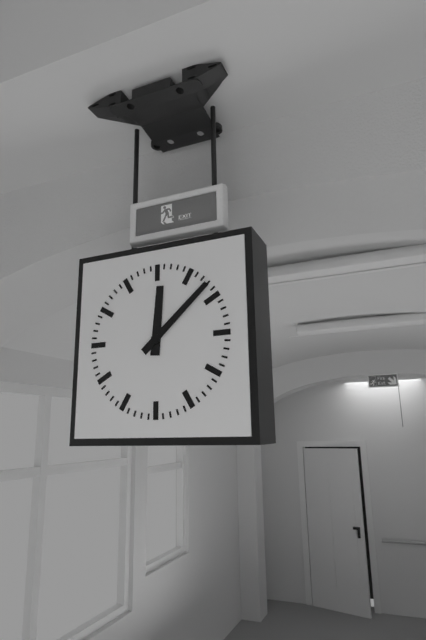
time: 12:08
